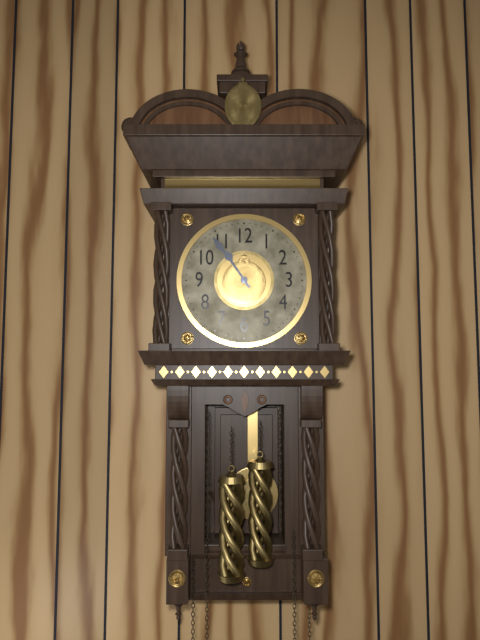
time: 10:54
